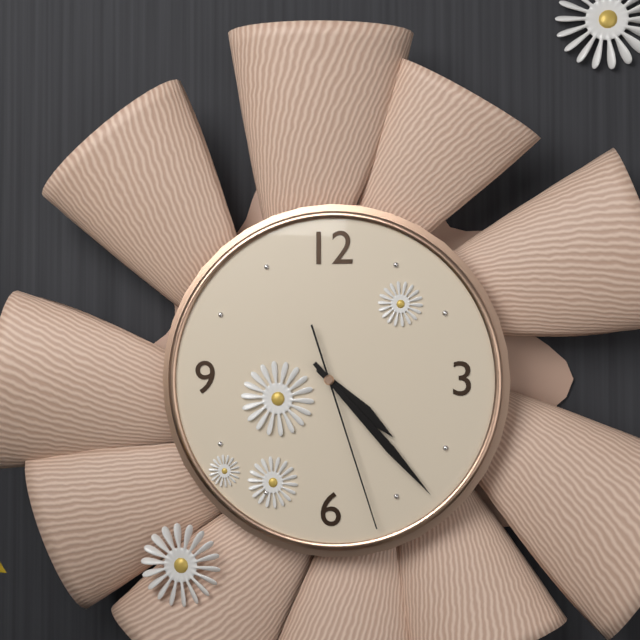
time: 4:23:27
